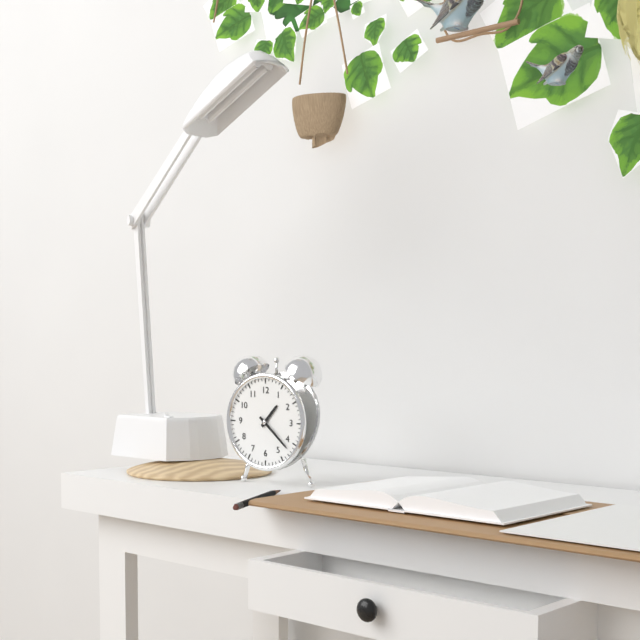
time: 1:22
